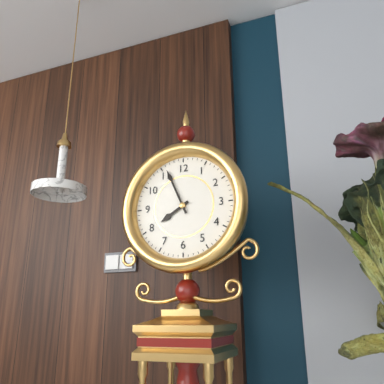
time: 7:56
